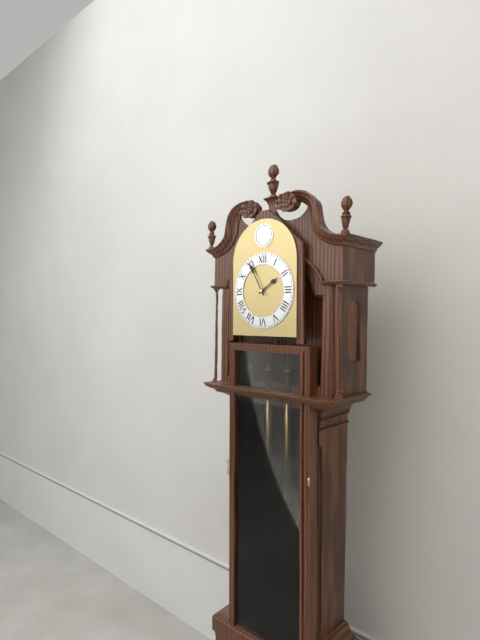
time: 1:55
